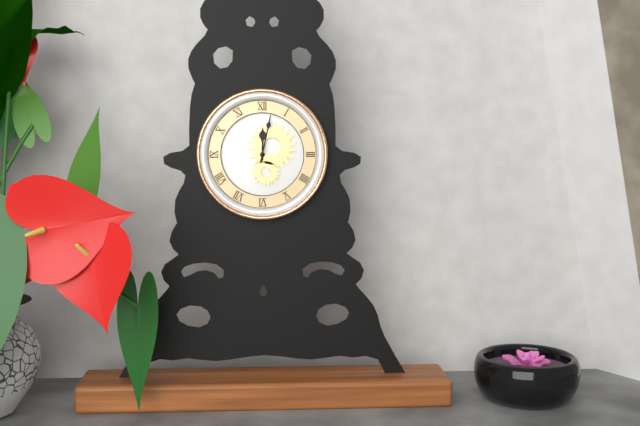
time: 12:02
